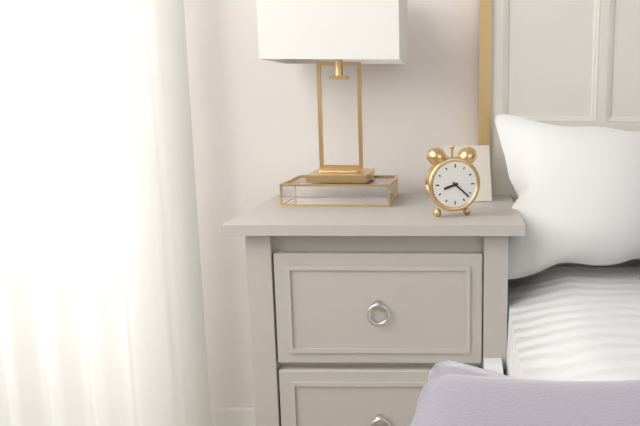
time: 8:22
